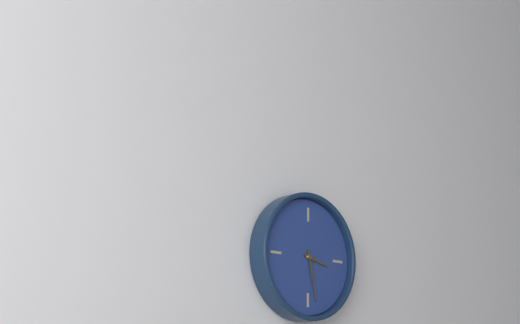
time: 3:28
